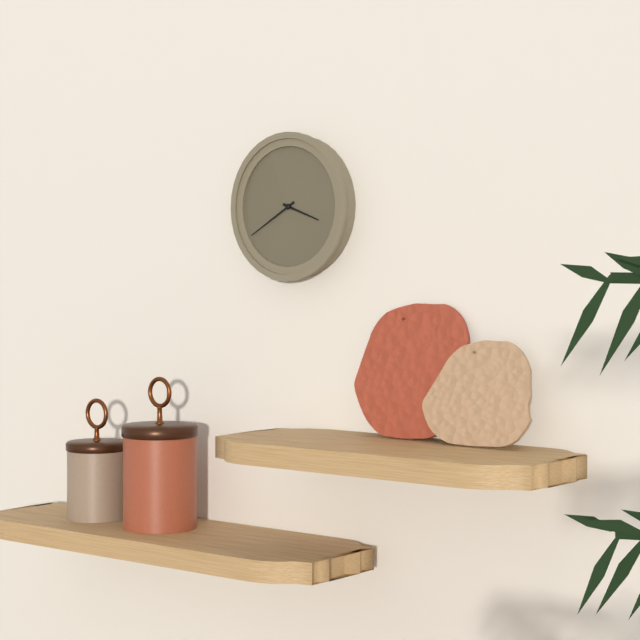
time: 3:40
